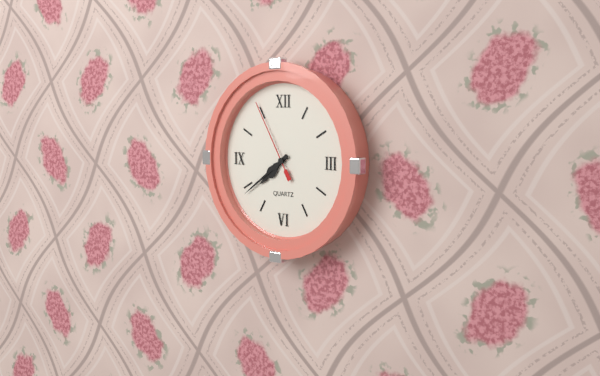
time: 7:39:55
